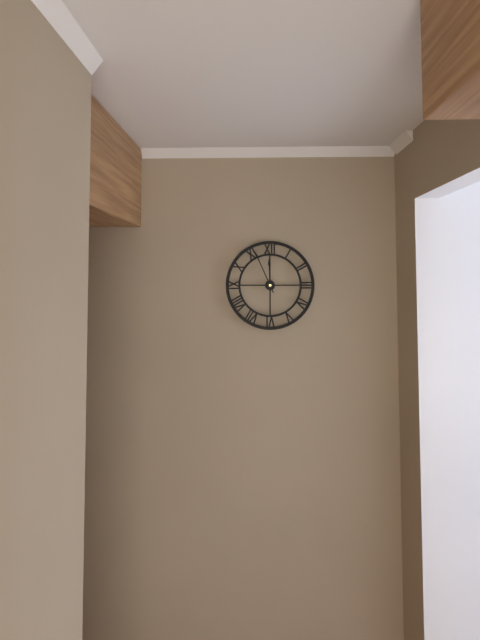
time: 11:56
